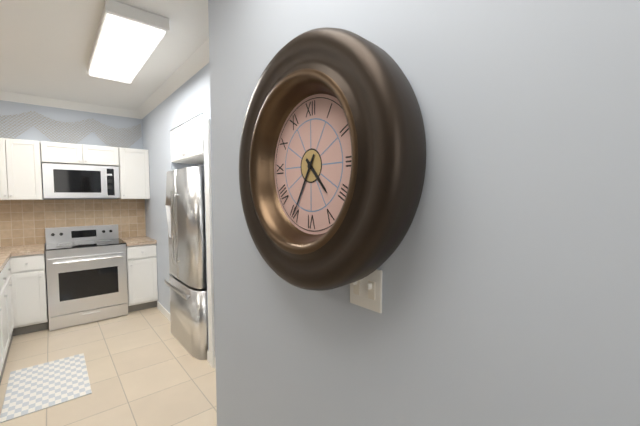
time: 4:35
